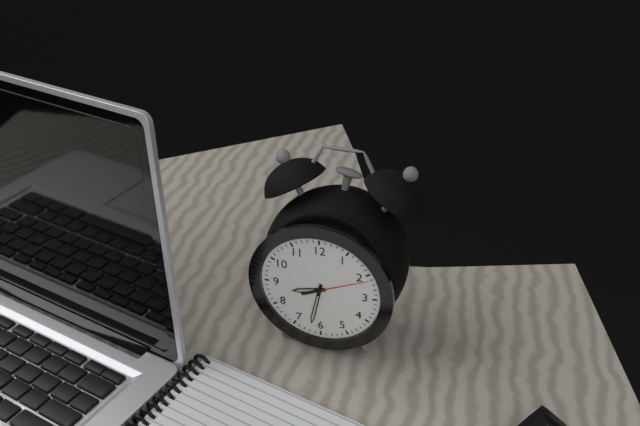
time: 8:32
